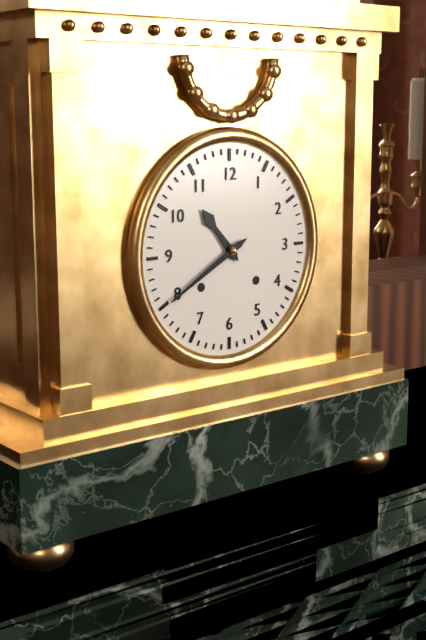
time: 10:40
